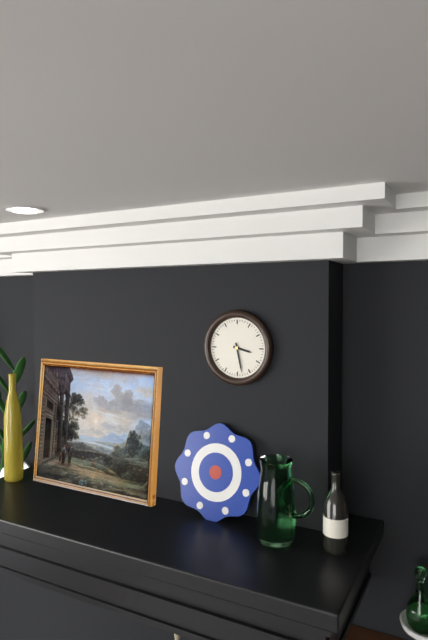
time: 3:28
